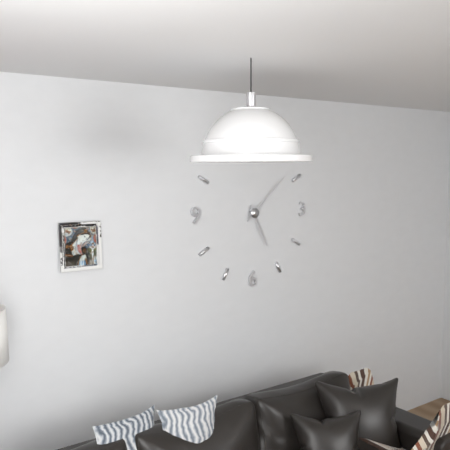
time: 5:08
